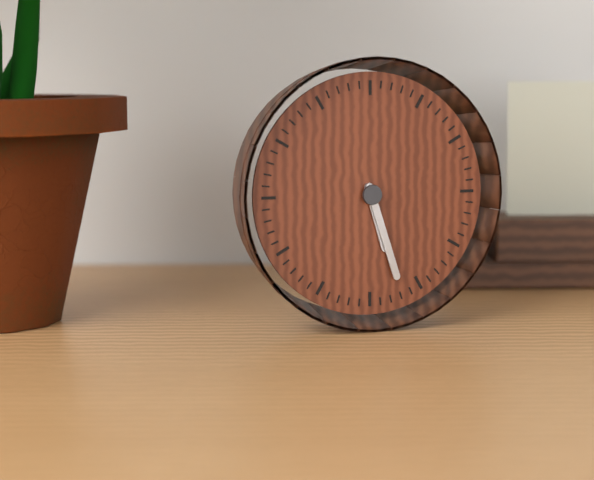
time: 5:27
